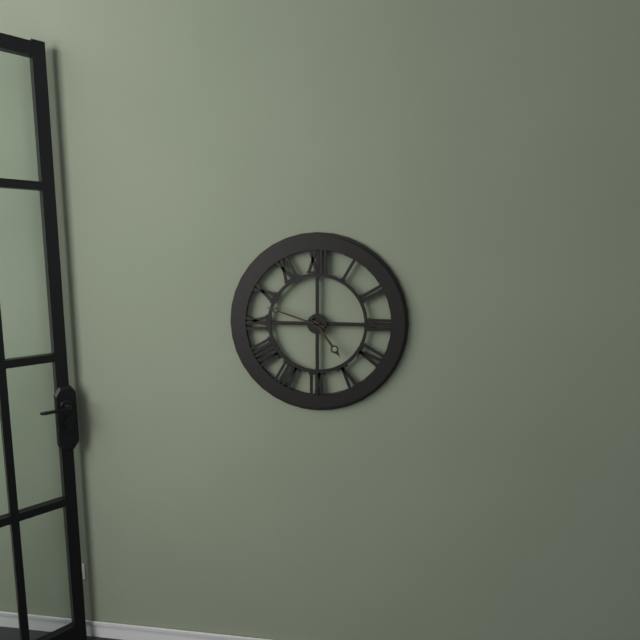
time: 4:48
